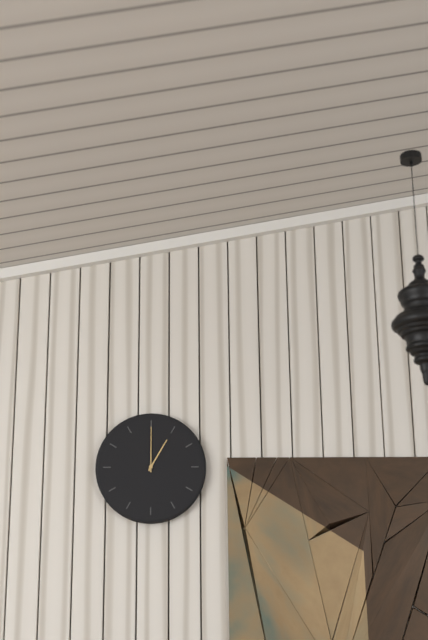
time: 1:00
